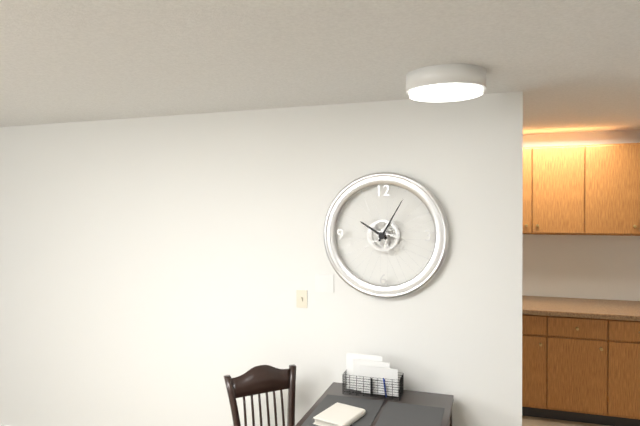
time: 10:05
